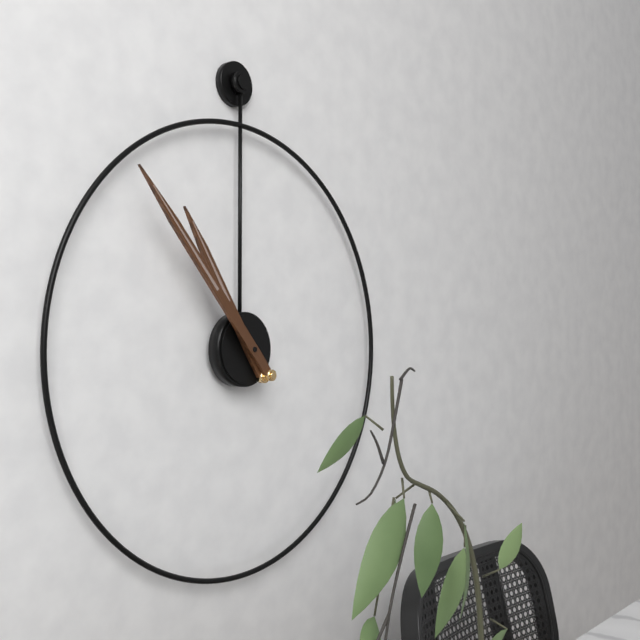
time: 10:53
